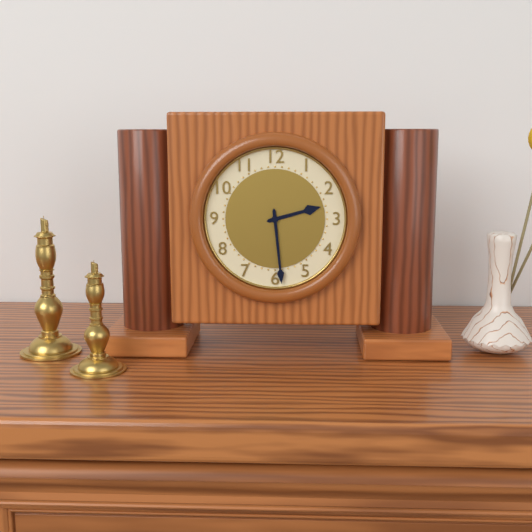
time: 2:29
